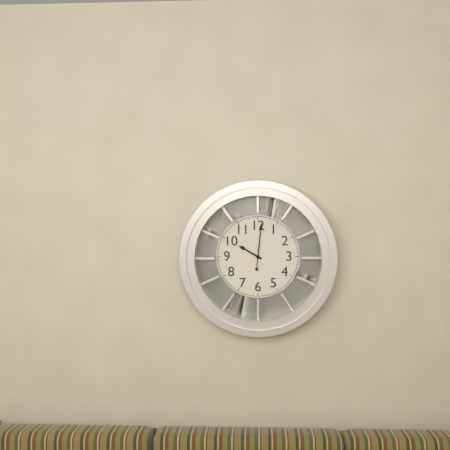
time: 10:01
